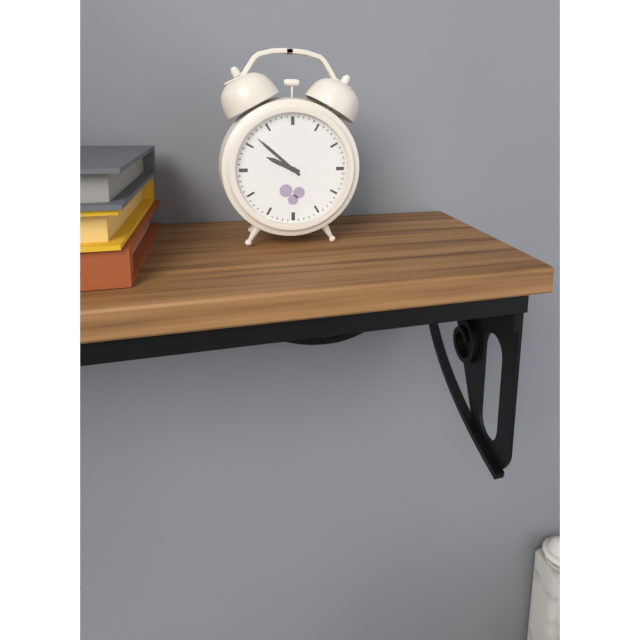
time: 9:52
